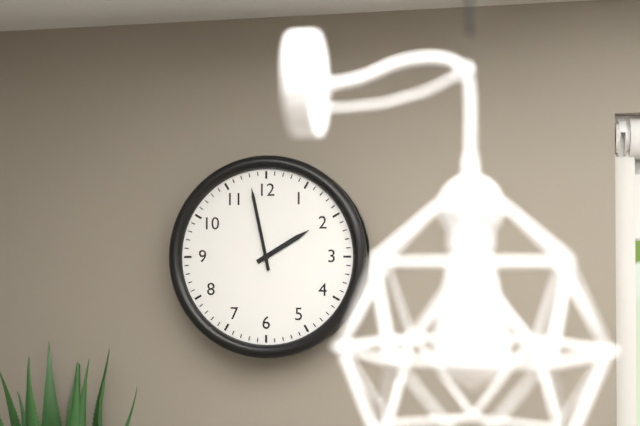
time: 1:58
